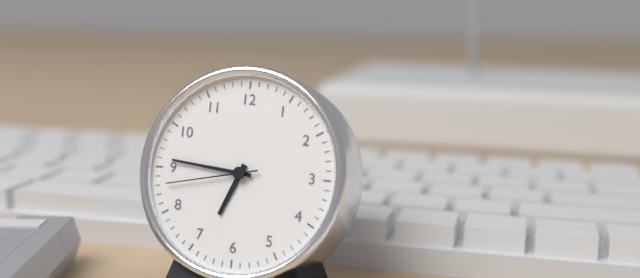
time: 6:46:43
